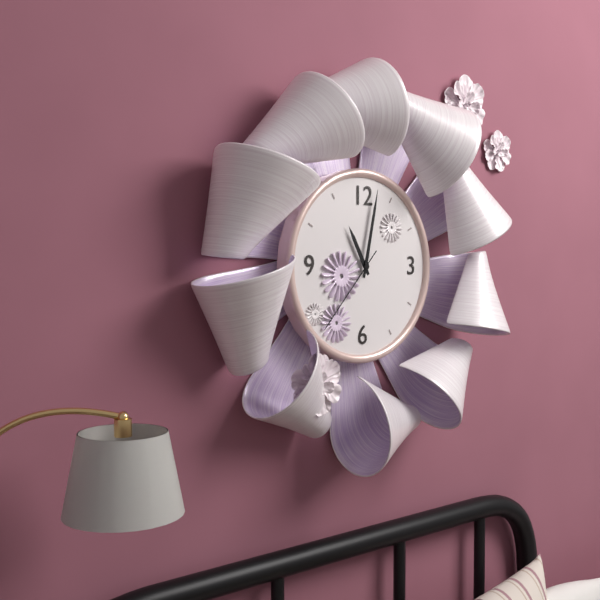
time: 11:02:37
